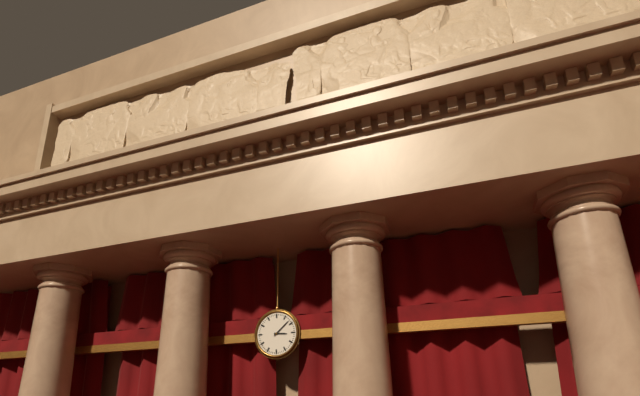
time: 3:08
